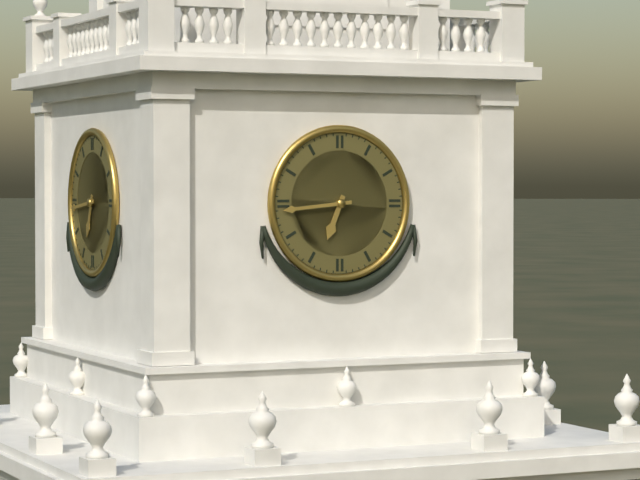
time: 6:44
